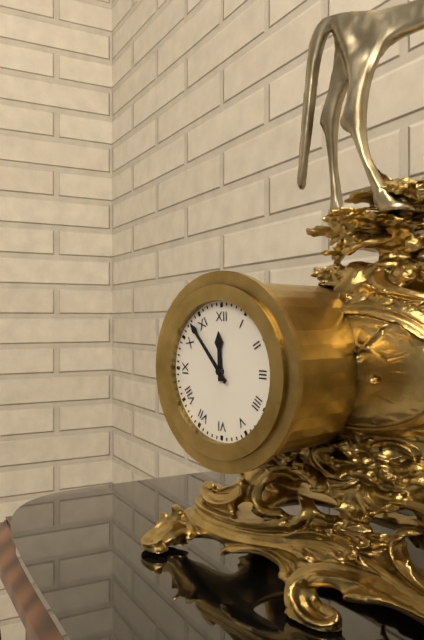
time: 11:53
